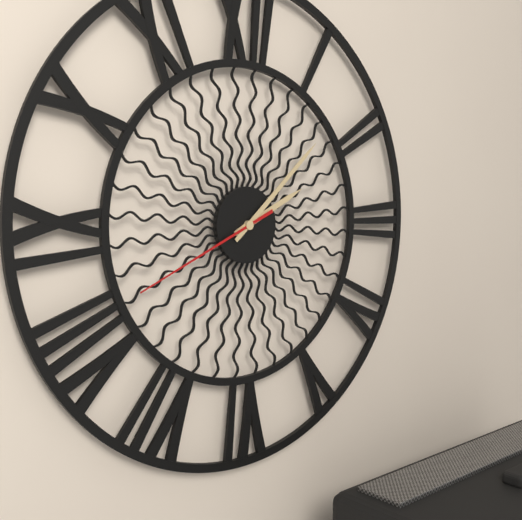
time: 2:08:41
